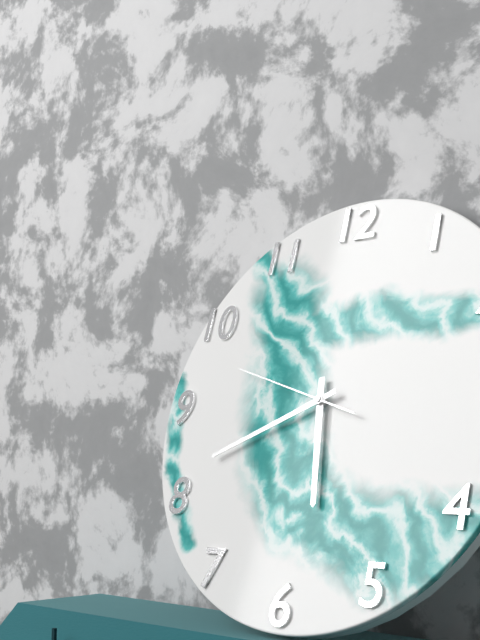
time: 5:41:48
